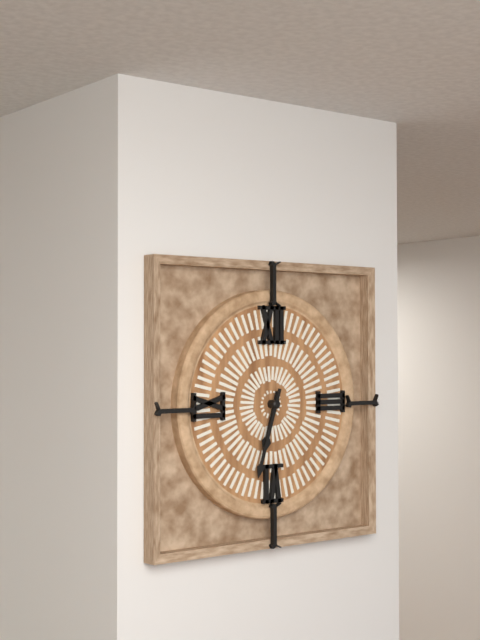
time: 6:33
